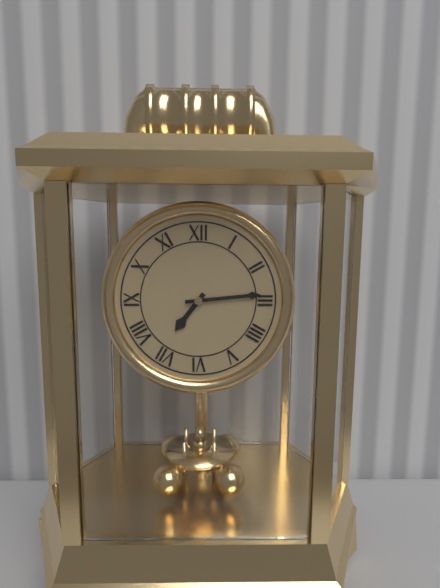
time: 7:14
